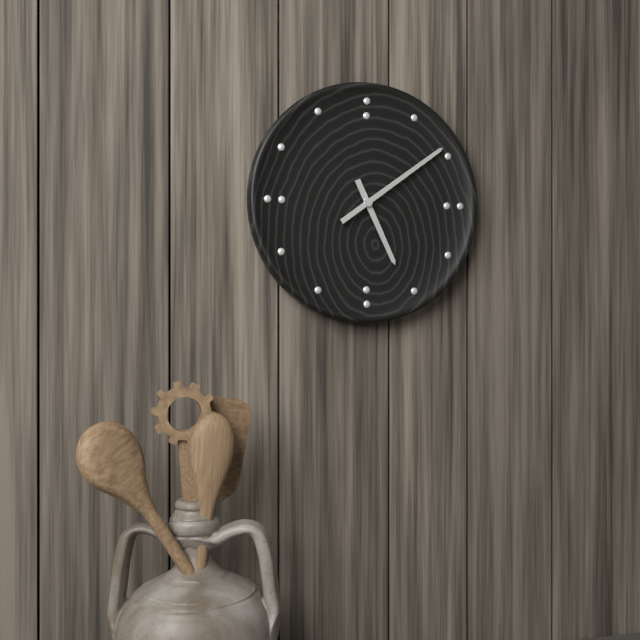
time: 5:09
